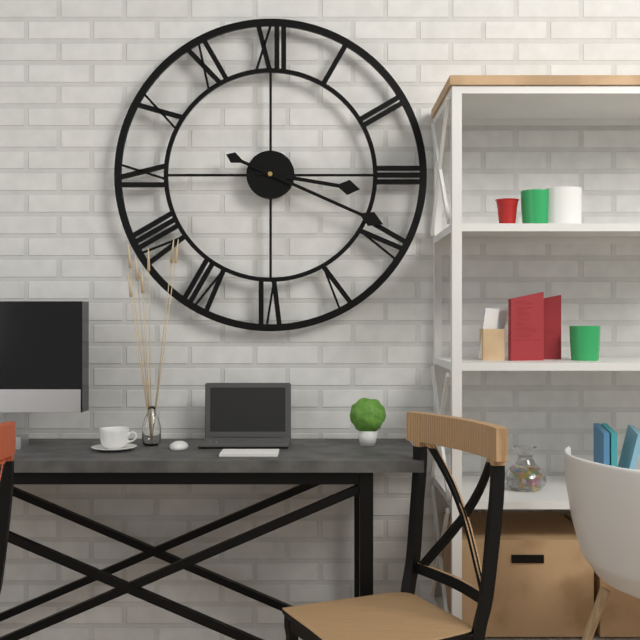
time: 3:19
